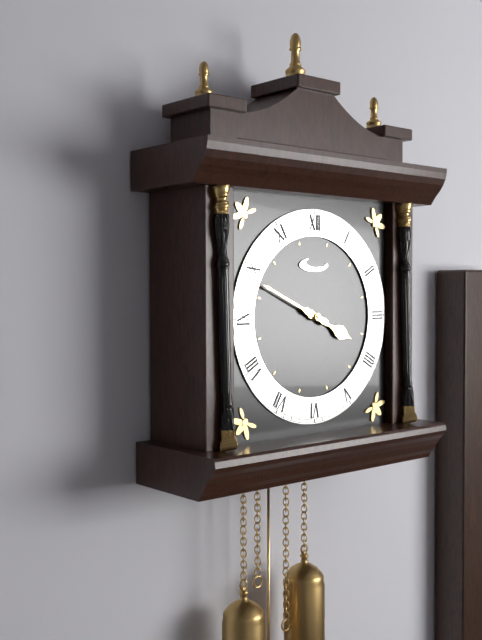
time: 3:49
